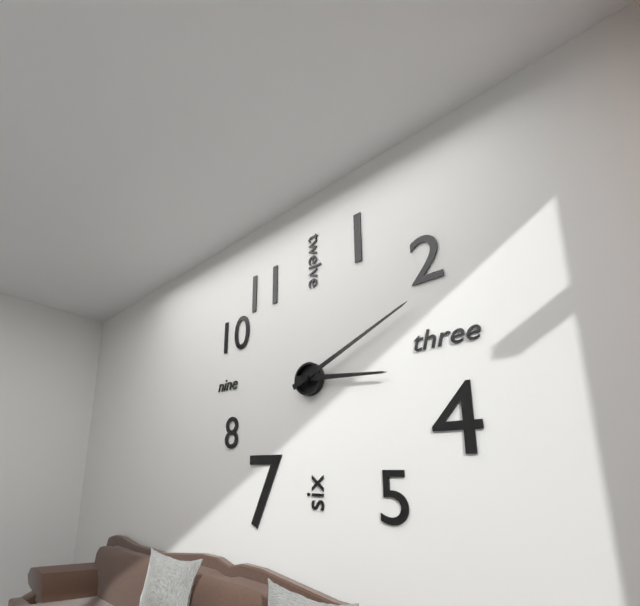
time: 3:11
